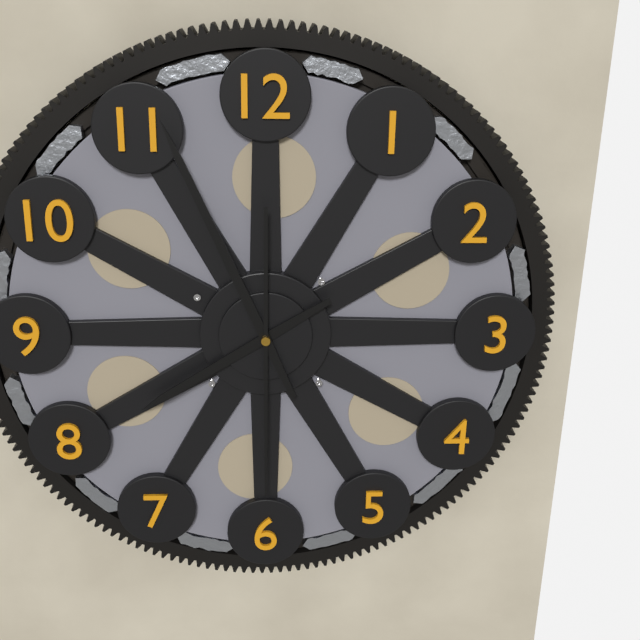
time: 7:56:30
